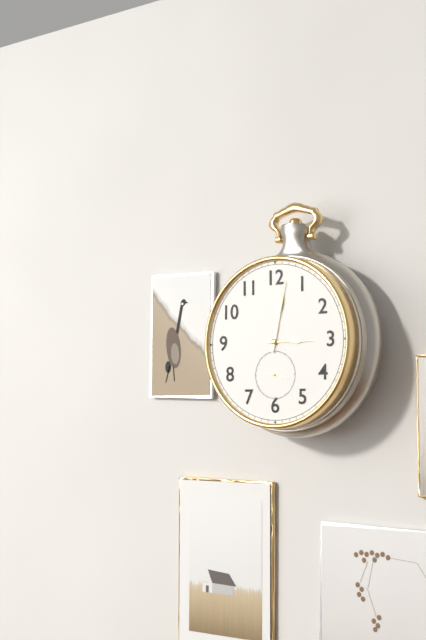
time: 3:02
